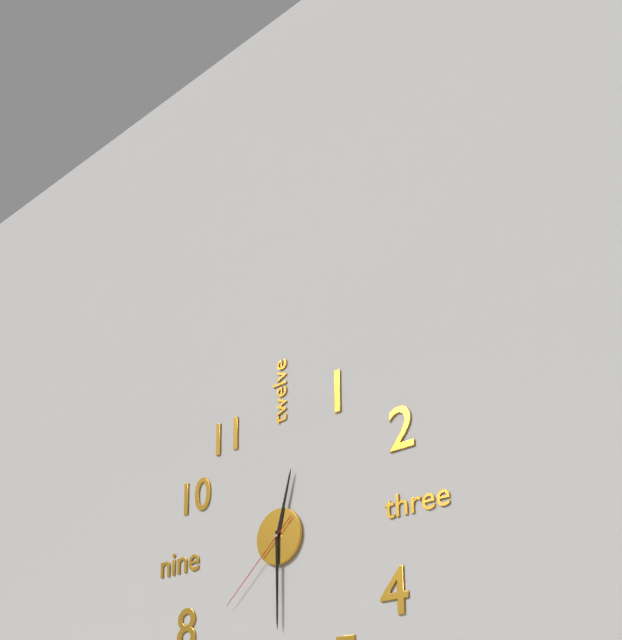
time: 12:30:38
